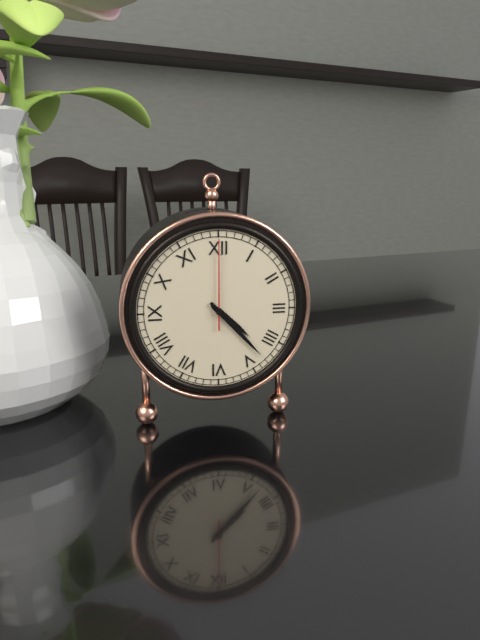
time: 4:23:00
